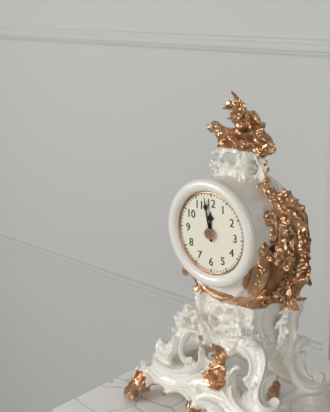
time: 11:58
